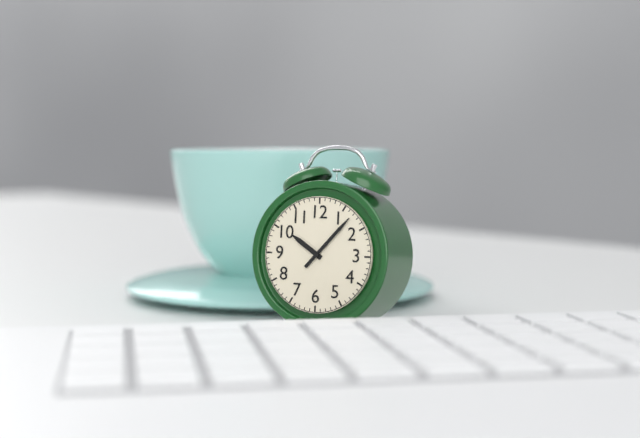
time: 10:07
